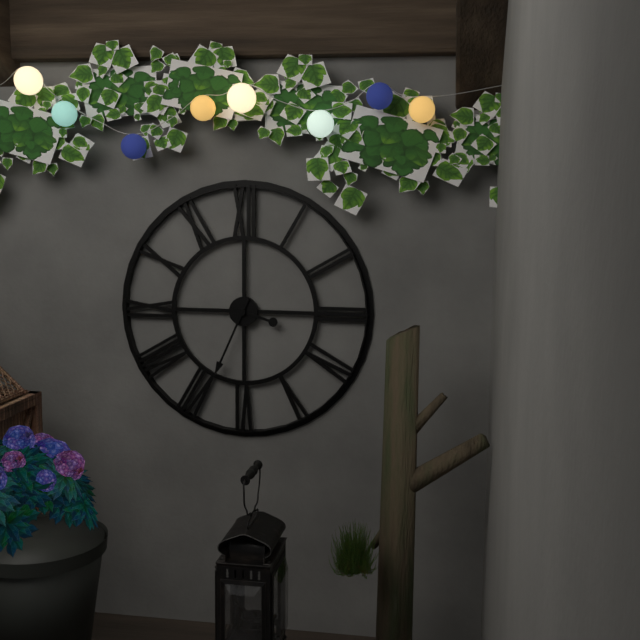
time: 3:34
